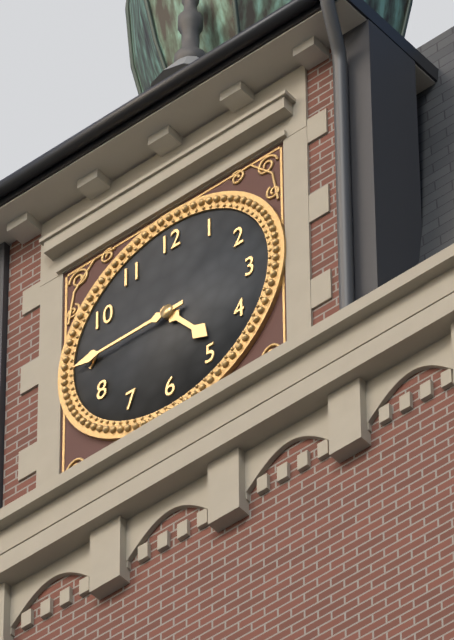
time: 4:45
